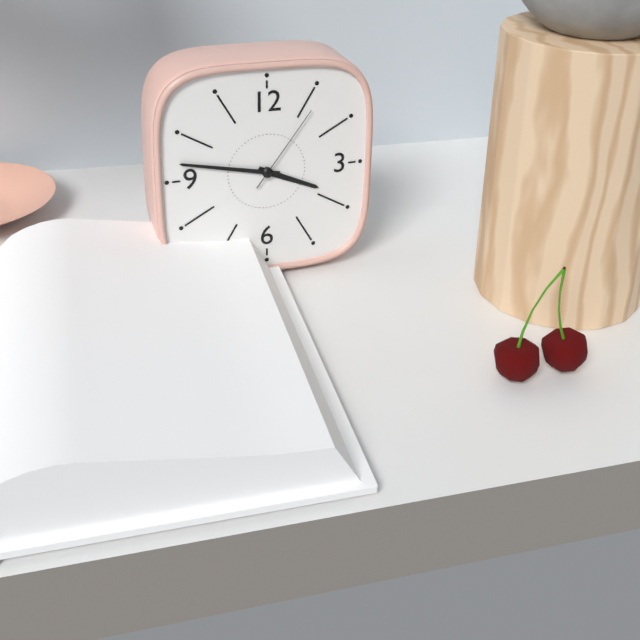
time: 3:47:06
